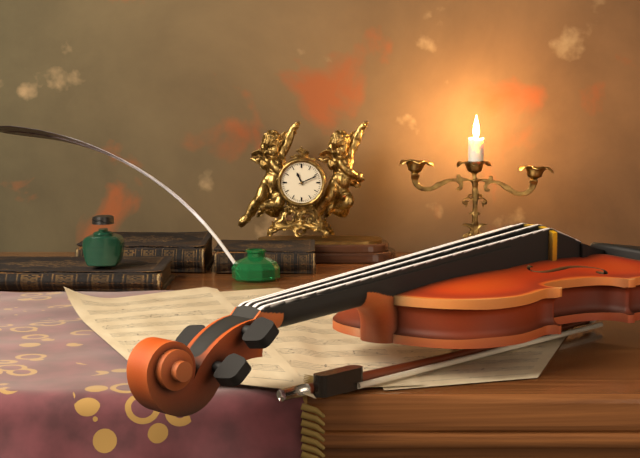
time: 11:11
